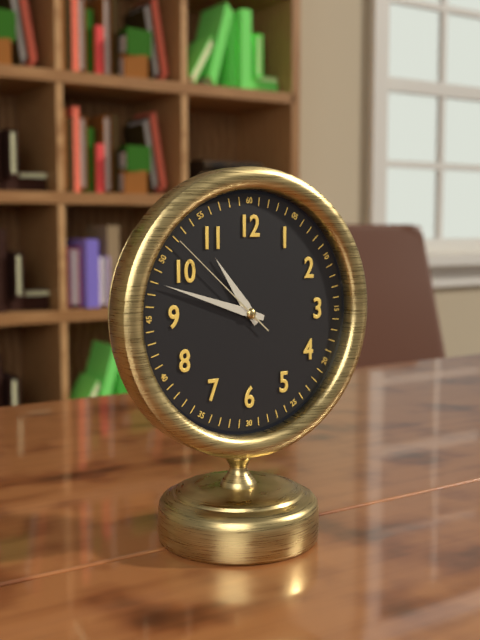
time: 10:48:52
